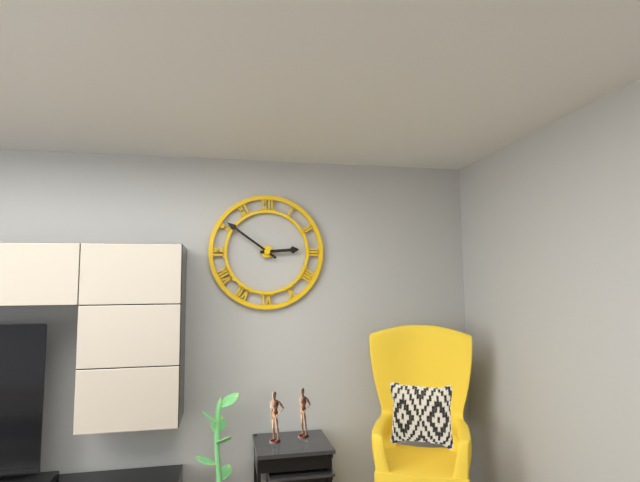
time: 2:51
